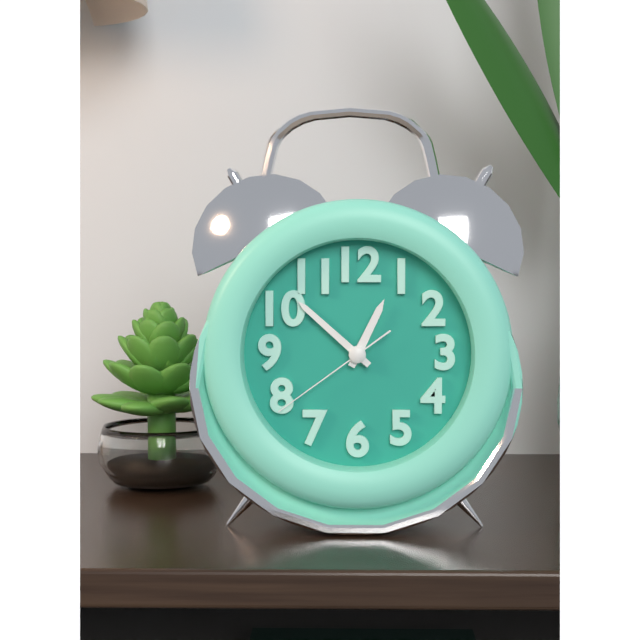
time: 12:52:39
